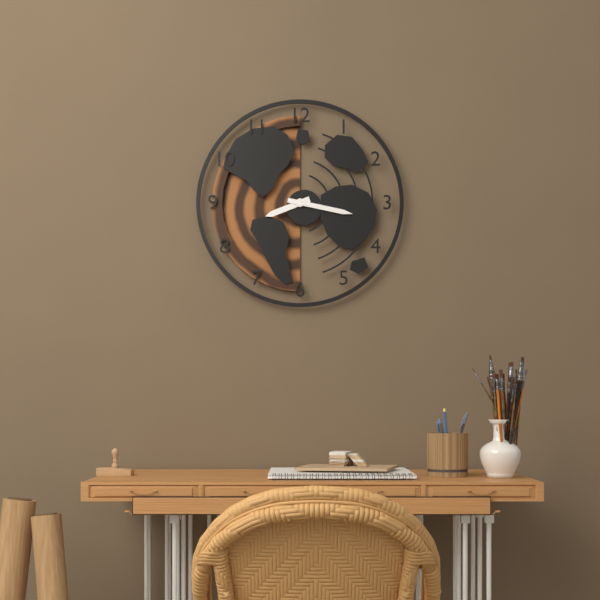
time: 8:17
